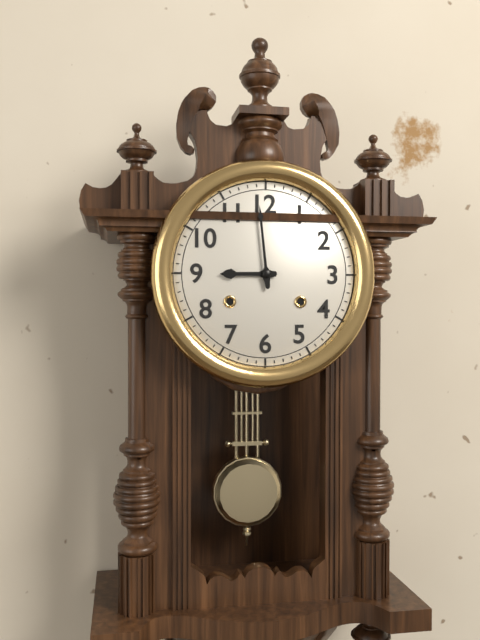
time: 8:59
